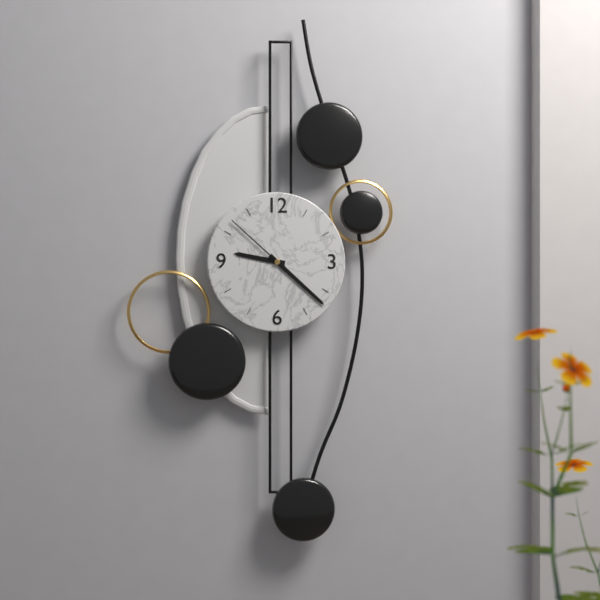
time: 9:22:52
